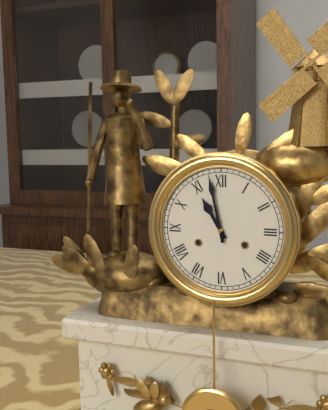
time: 10:58
